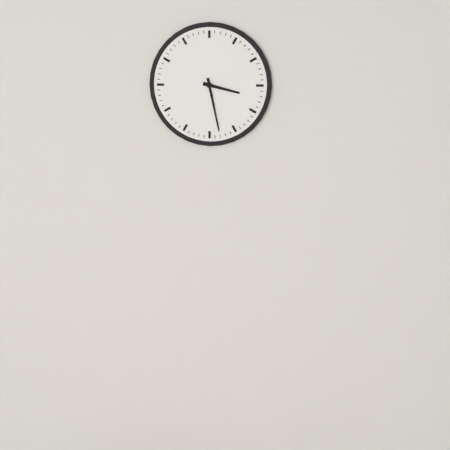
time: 3:28
